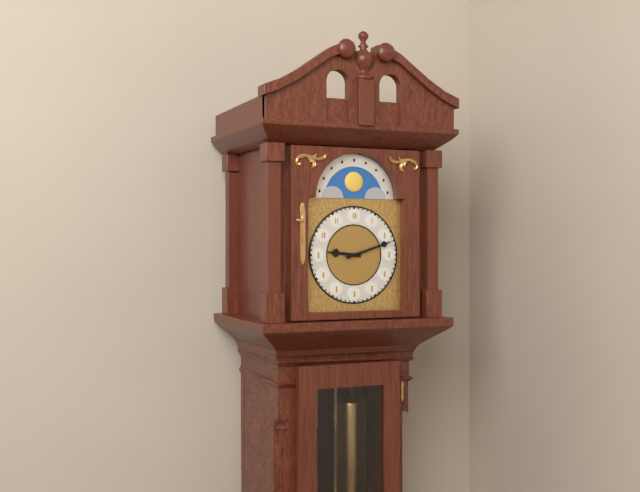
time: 9:12
